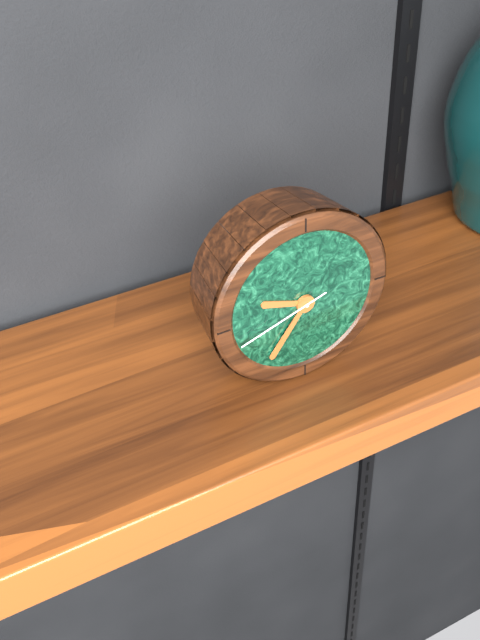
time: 9:36:42
